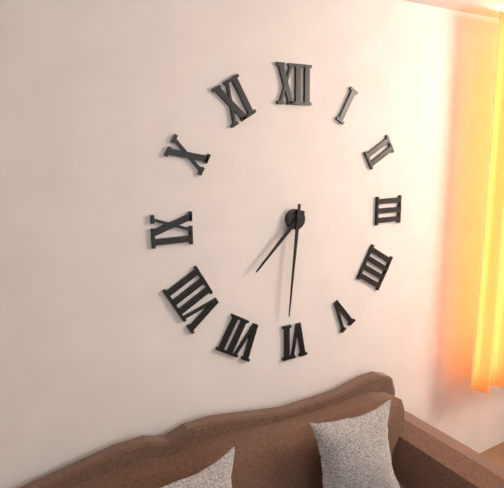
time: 7:31
